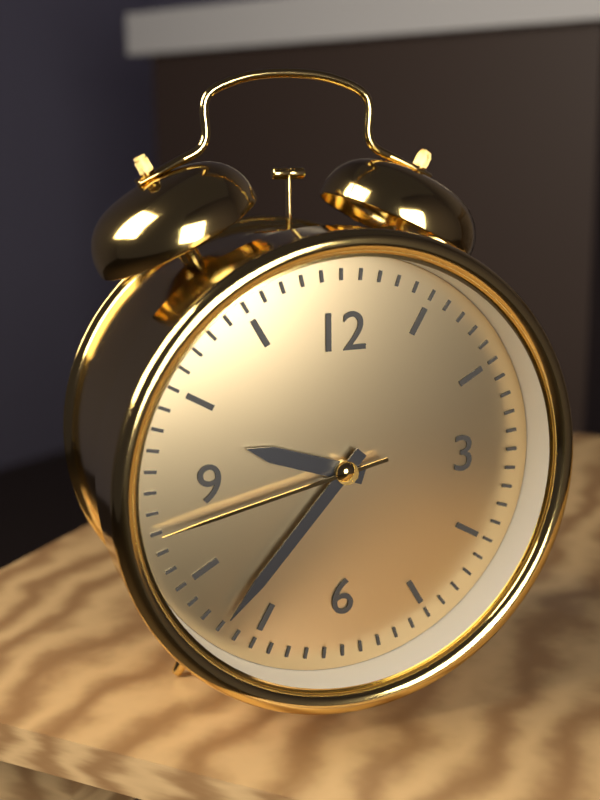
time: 9:37:43
